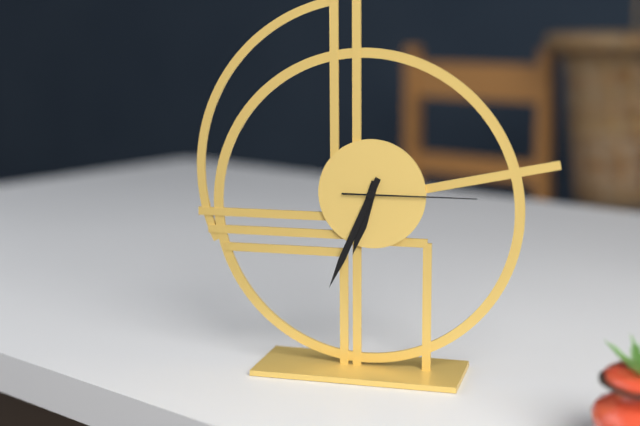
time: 6:34:15
